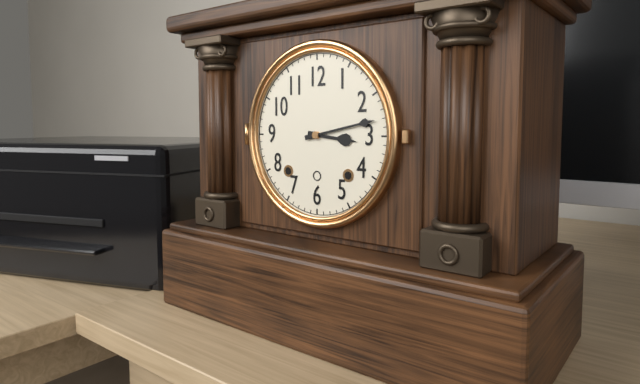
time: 3:13
